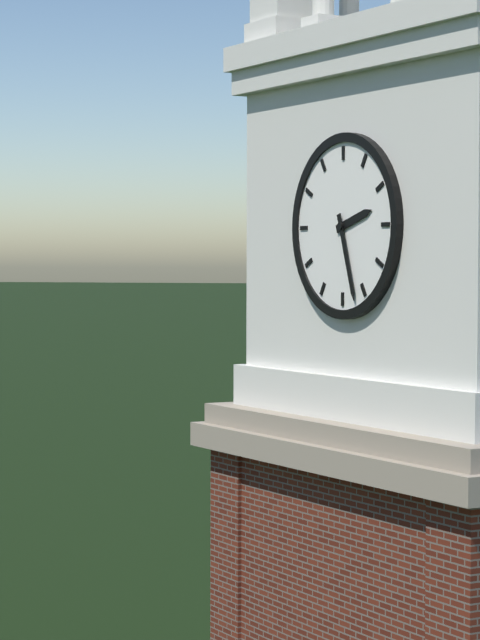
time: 2:27
